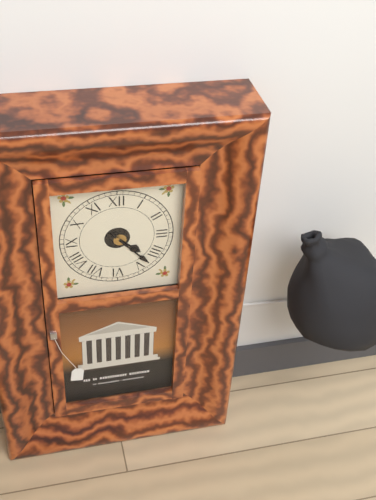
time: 4:23
